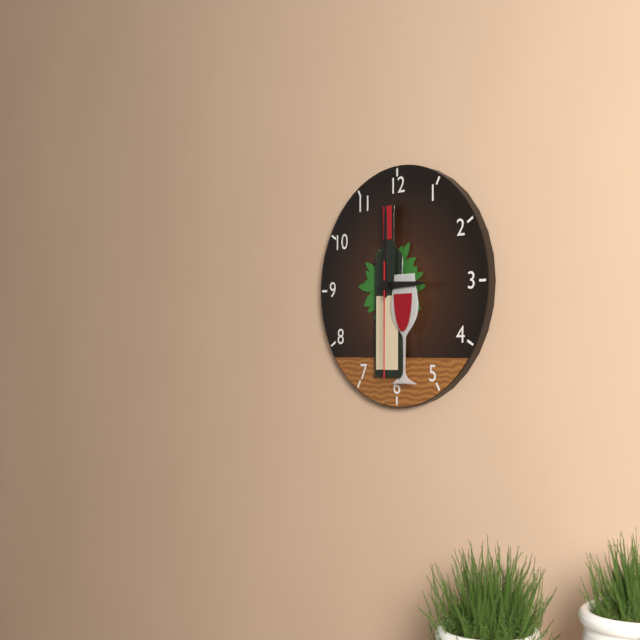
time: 3:00:30
